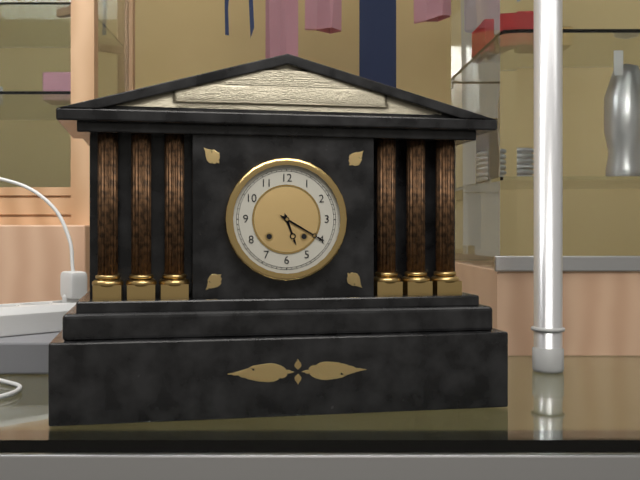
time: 5:20
